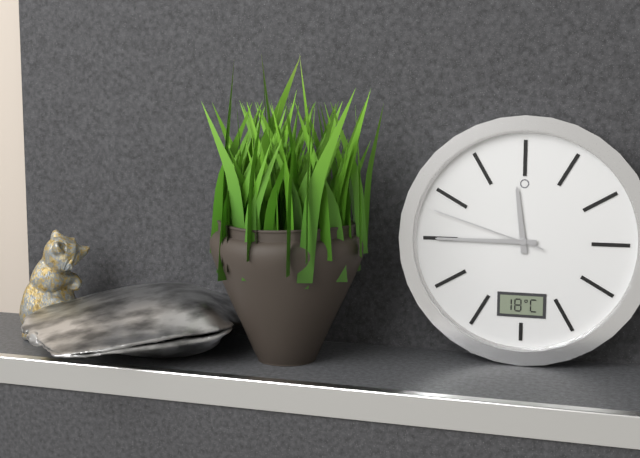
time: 11:45:48
